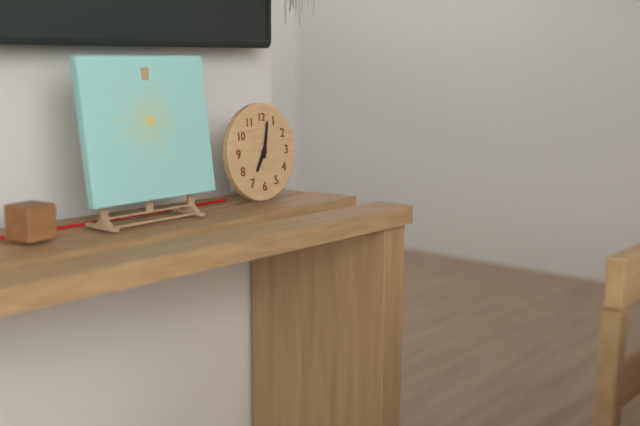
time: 7:02
